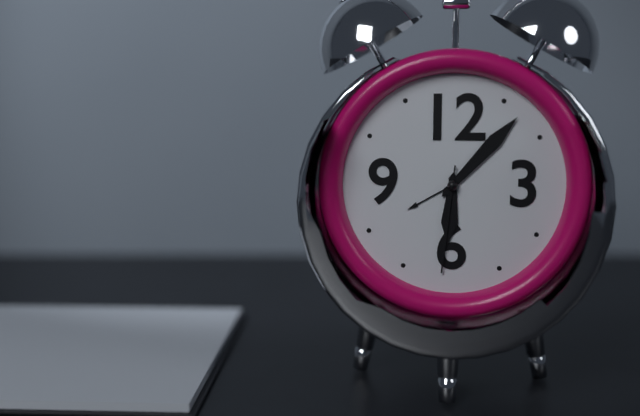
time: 6:07:31
